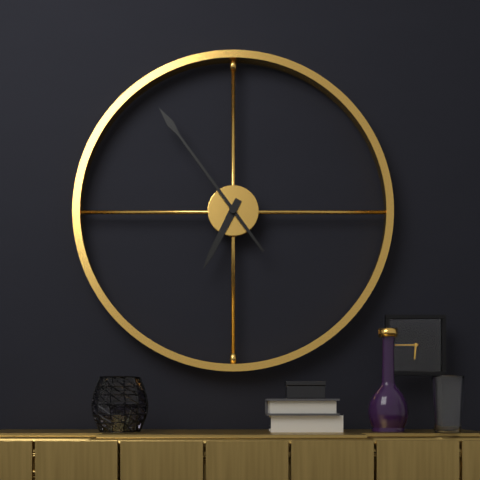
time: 6:54
